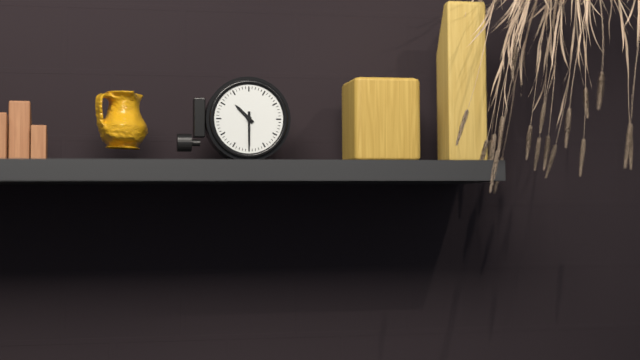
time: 10:30
